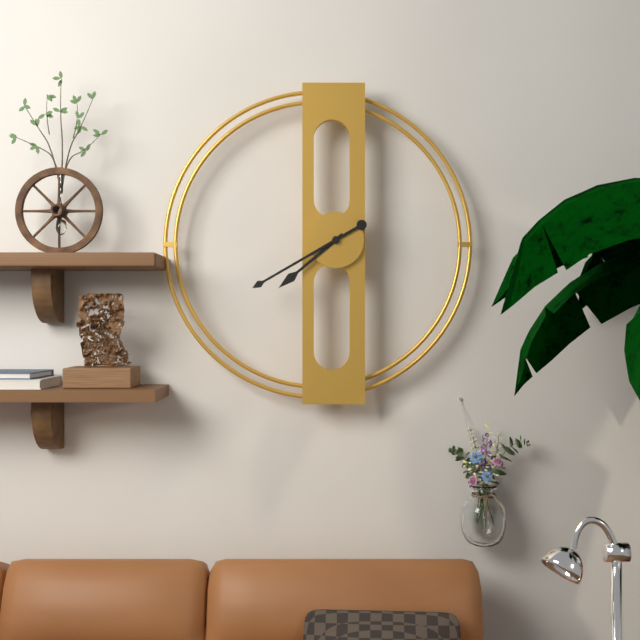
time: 7:40
